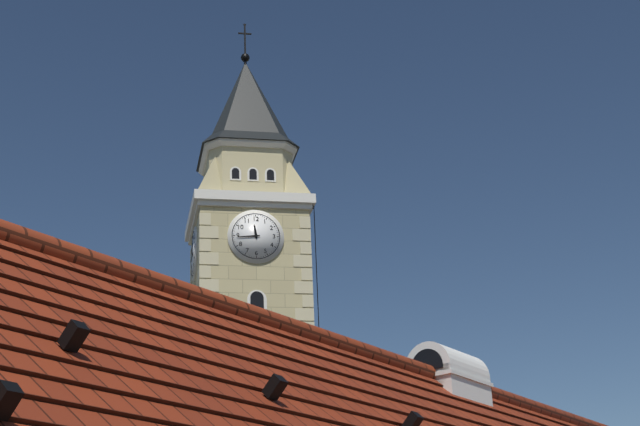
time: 11:44
